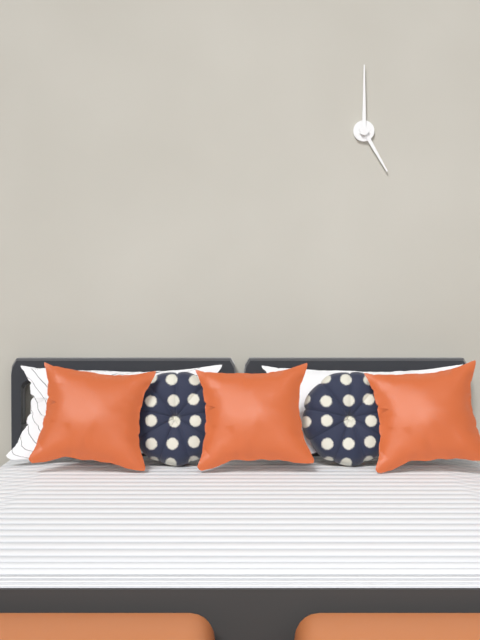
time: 5:00
